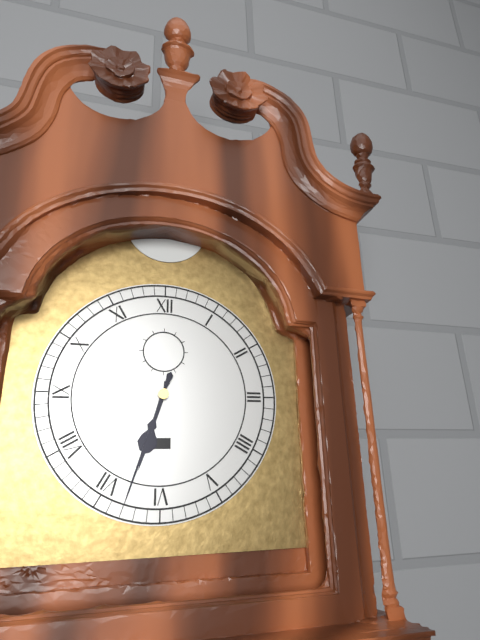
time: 6:33
